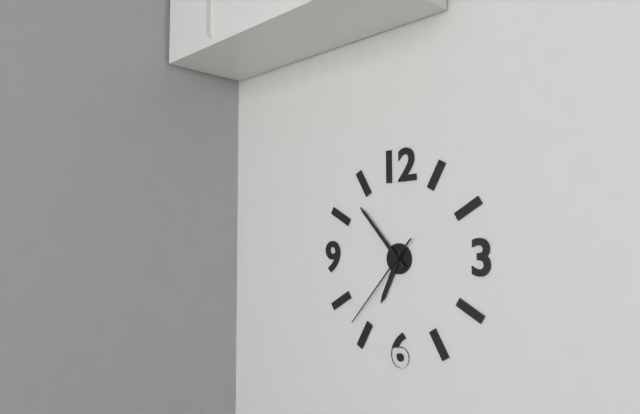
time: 6:53:37
